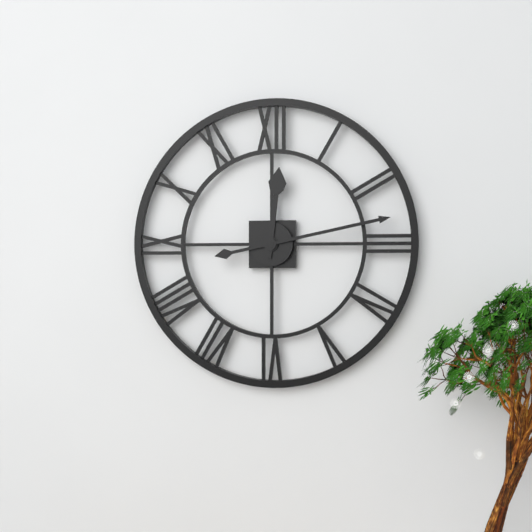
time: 12:13
